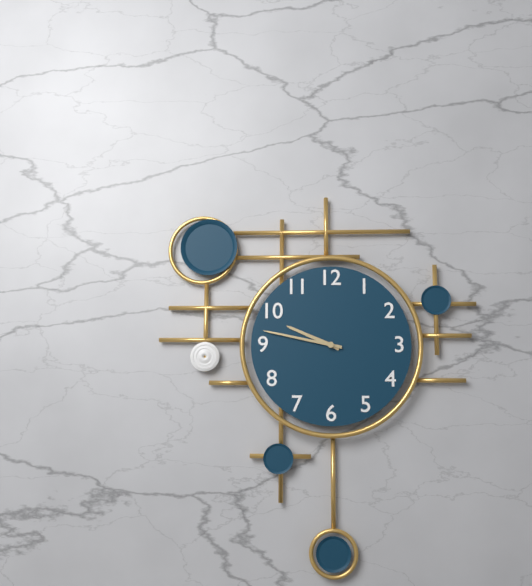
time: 9:47
